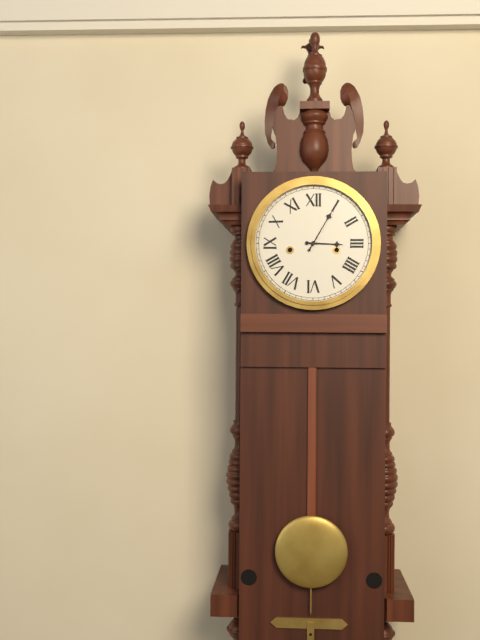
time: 3:05
